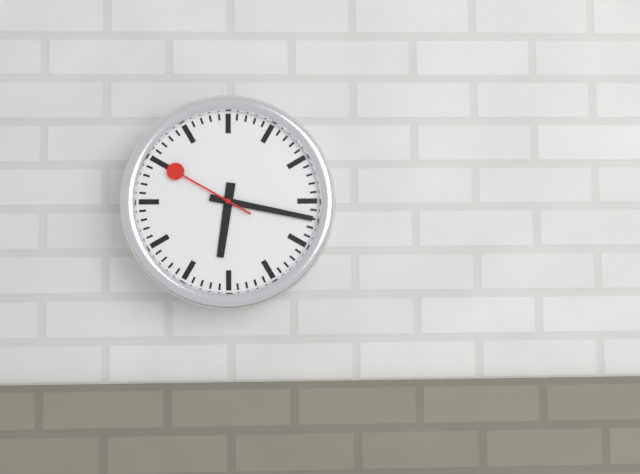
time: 6:17:50
